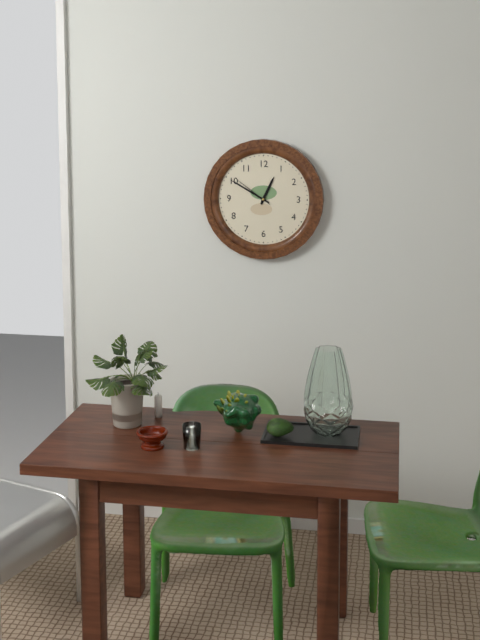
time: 12:50
